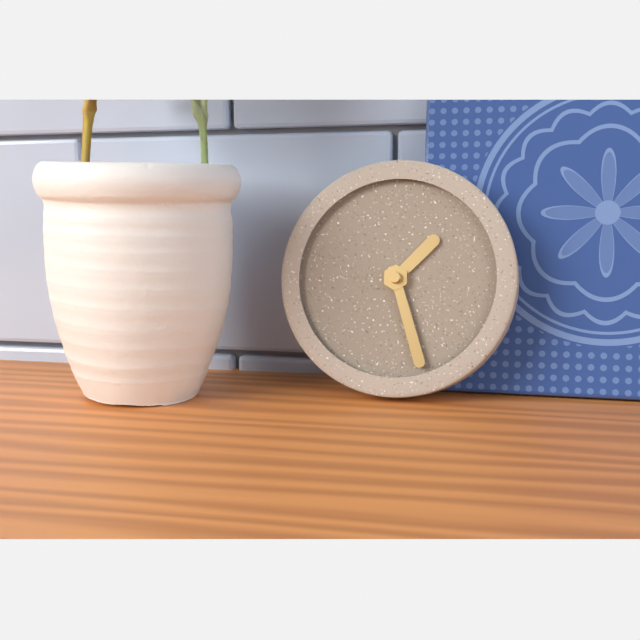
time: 1:27
